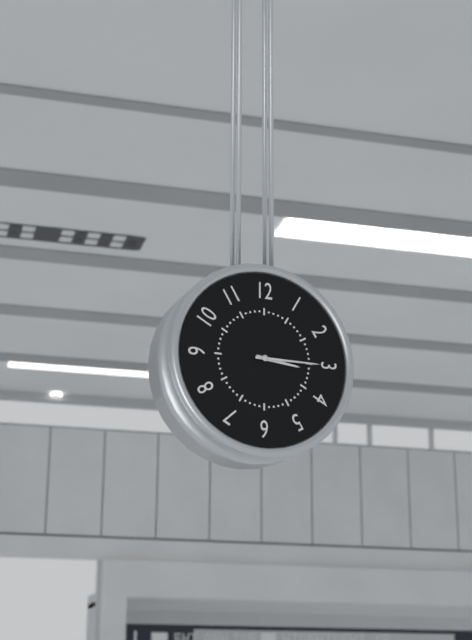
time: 3:15
